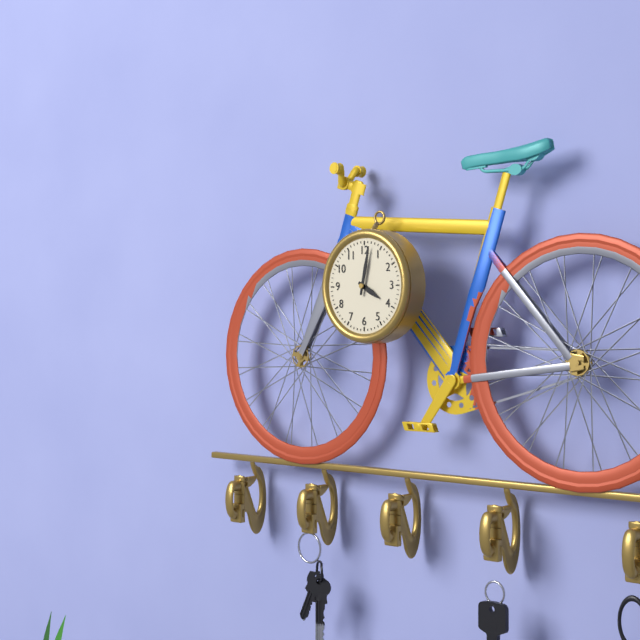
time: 4:02
